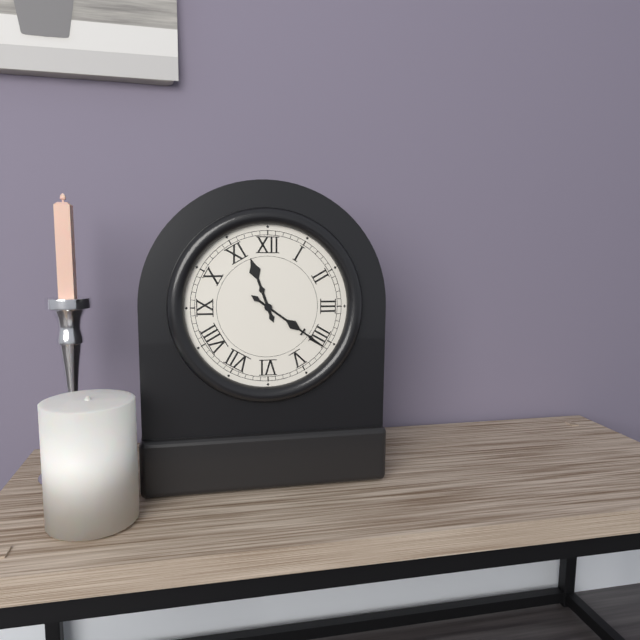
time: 11:21
